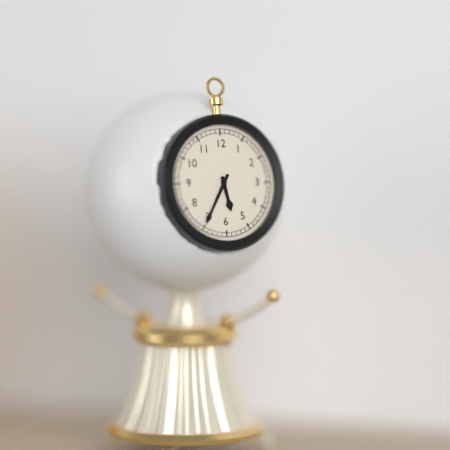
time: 5:35
